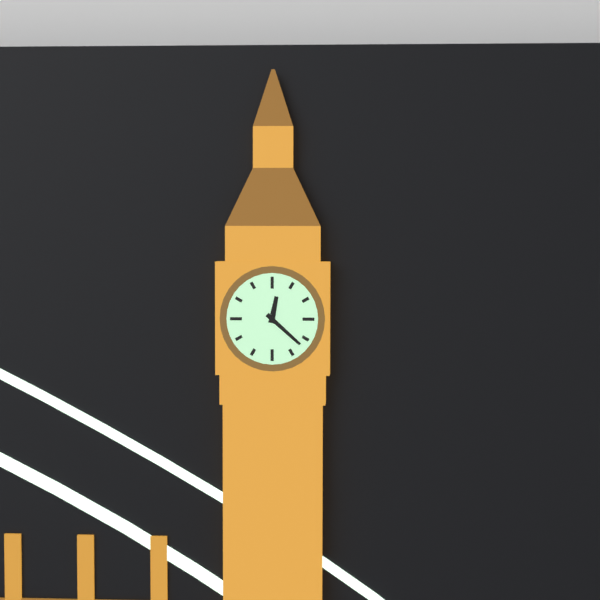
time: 12:22
